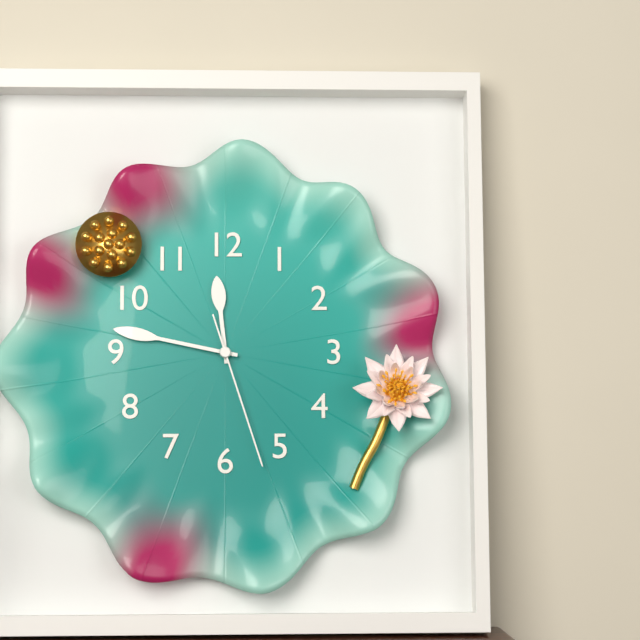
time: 11:47:27
